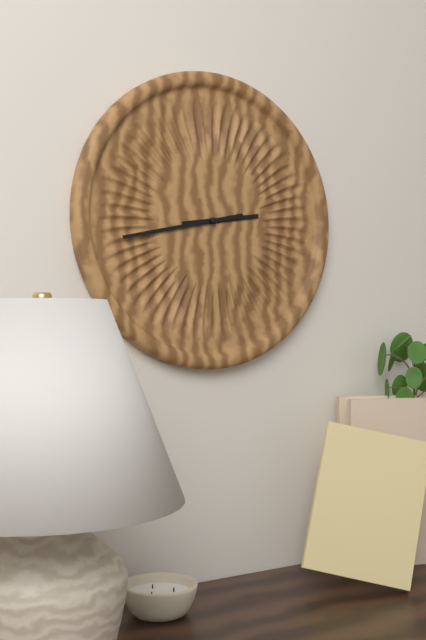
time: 2:43
